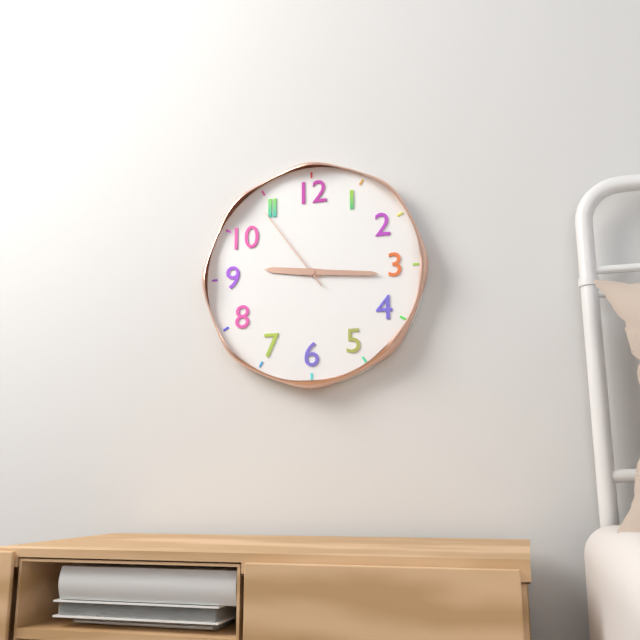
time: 9:16:54
